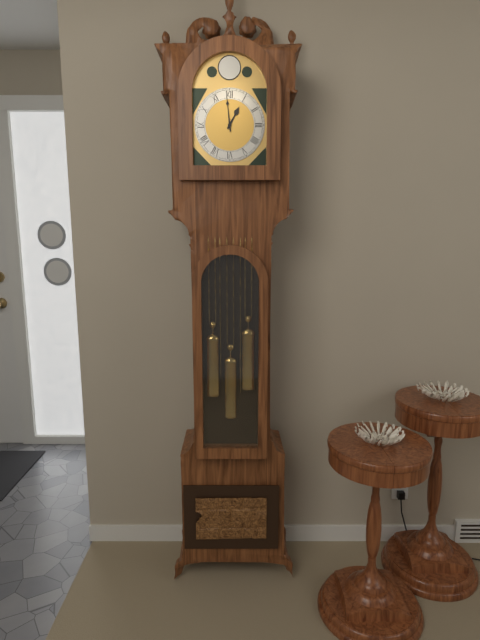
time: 12:59
